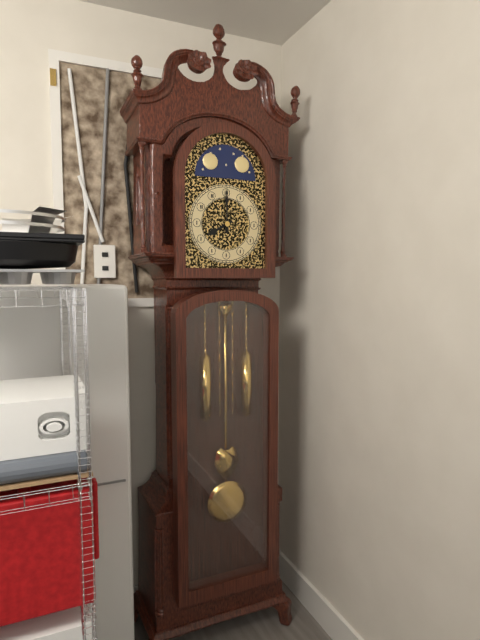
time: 8:00
